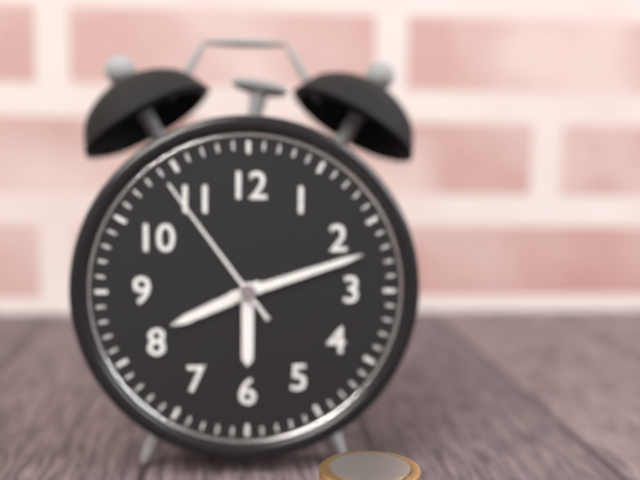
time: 8:12:54
